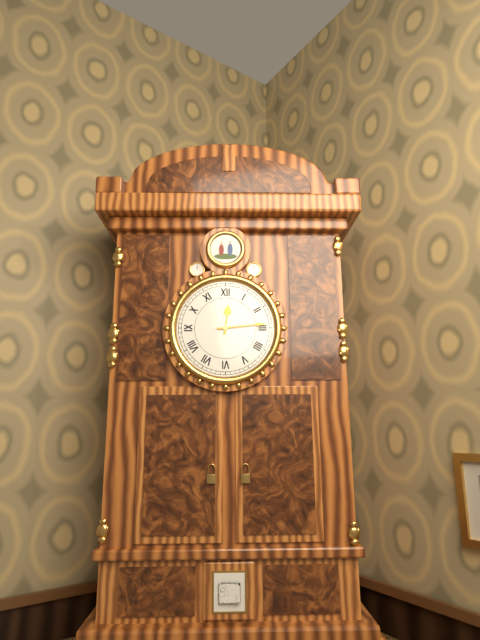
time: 12:14
